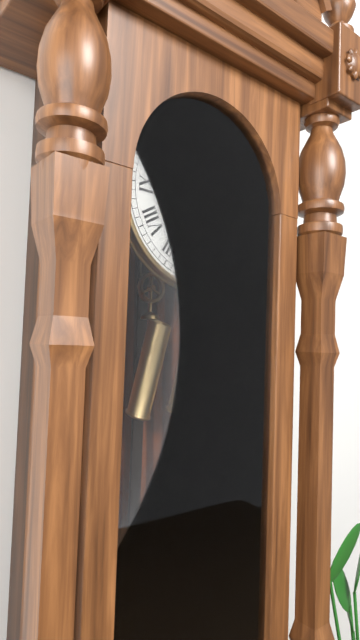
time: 6:04
